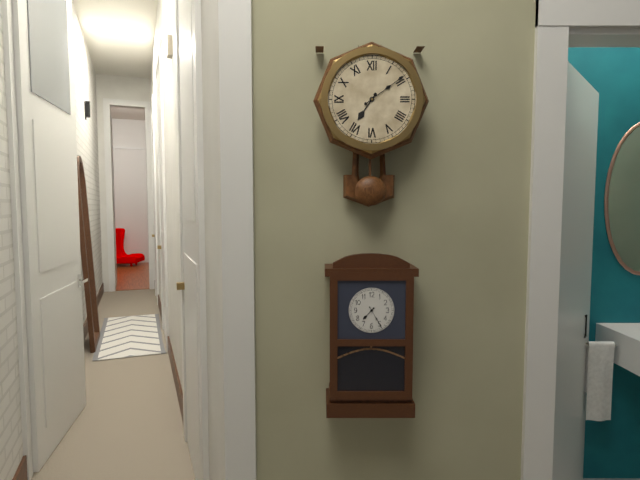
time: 7:09
